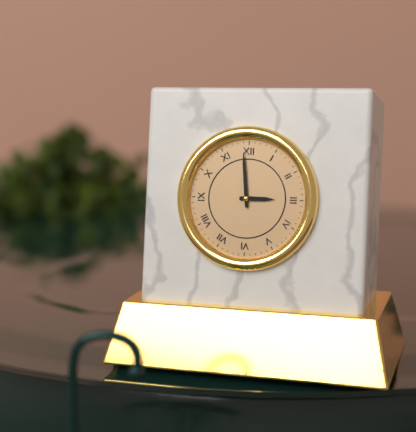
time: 2:59
